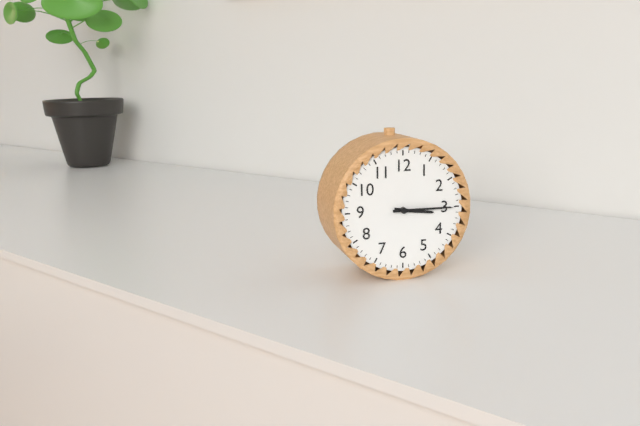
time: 3:15
